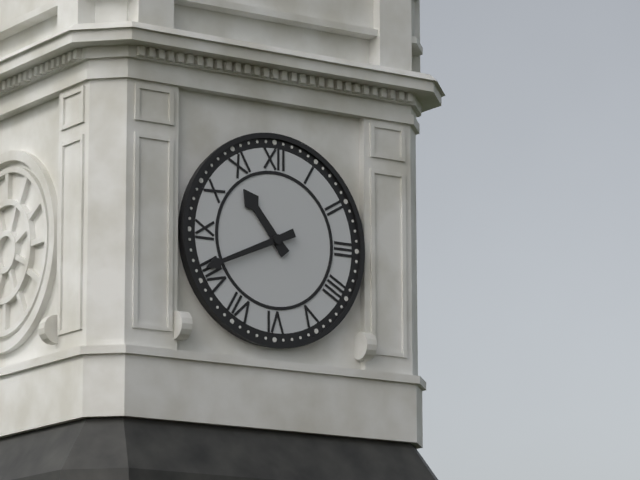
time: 10:41
